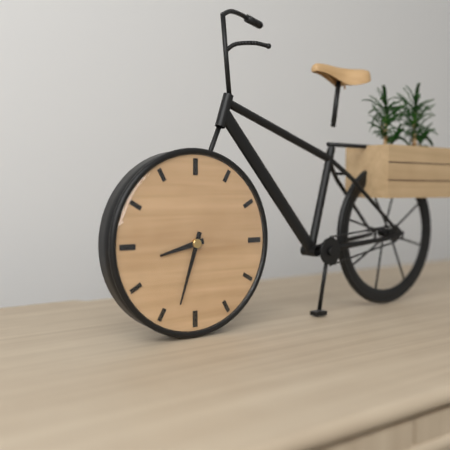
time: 8:33
